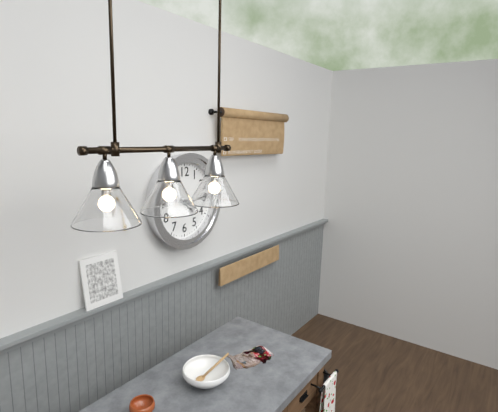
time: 4:14
